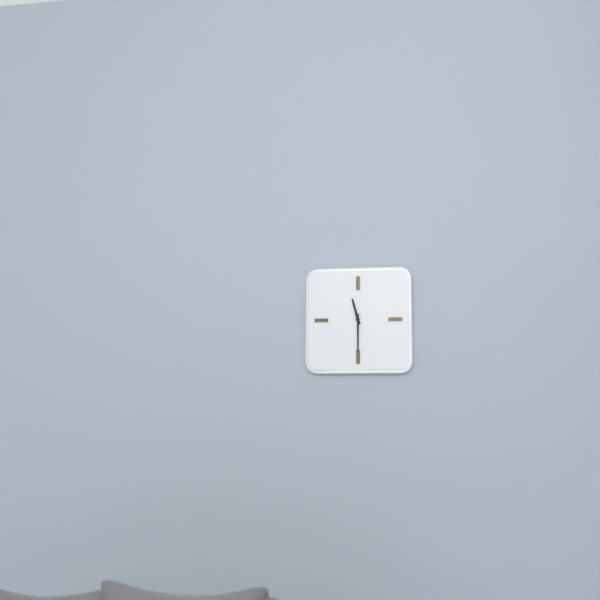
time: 11:30
